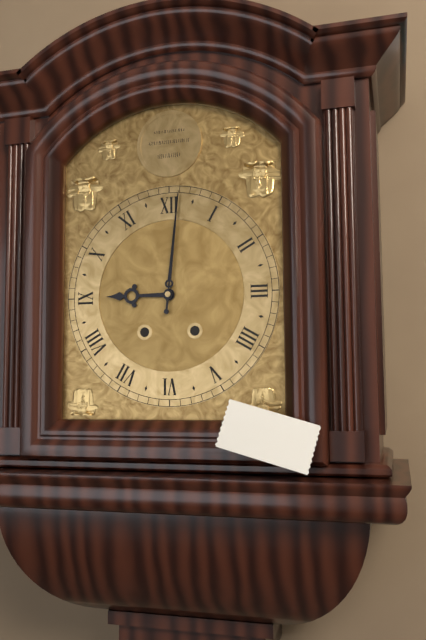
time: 9:01
